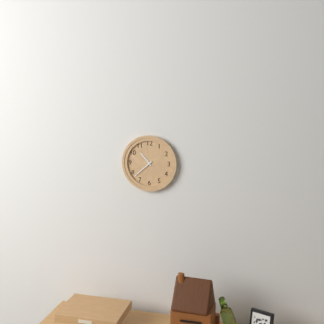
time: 10:38
